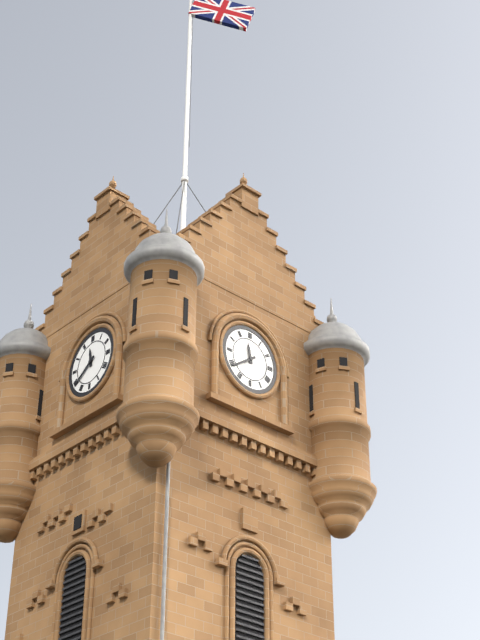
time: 11:39
